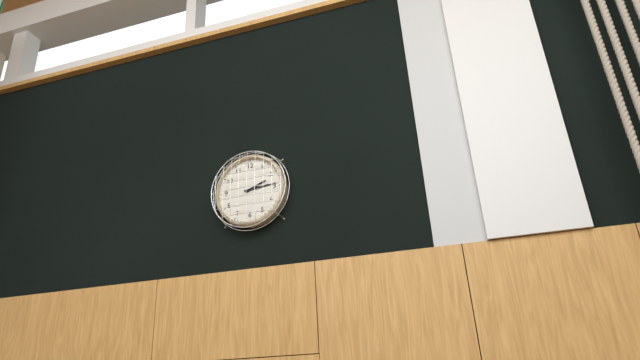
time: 2:14
